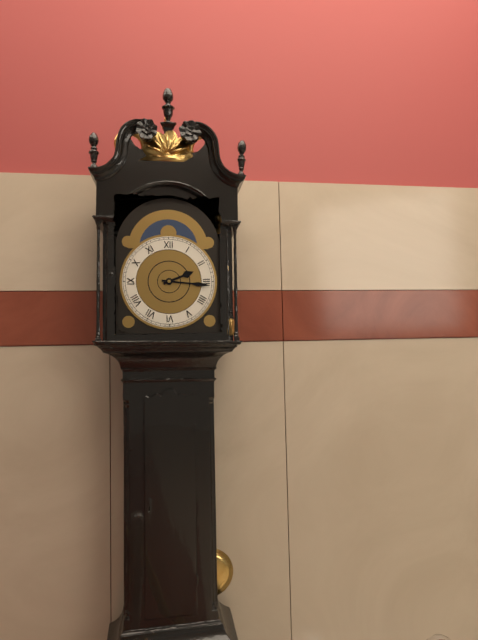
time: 2:16
